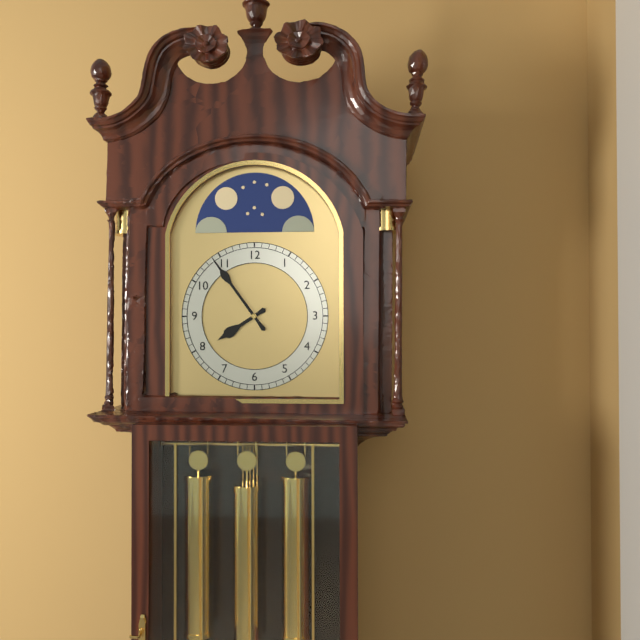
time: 7:54
